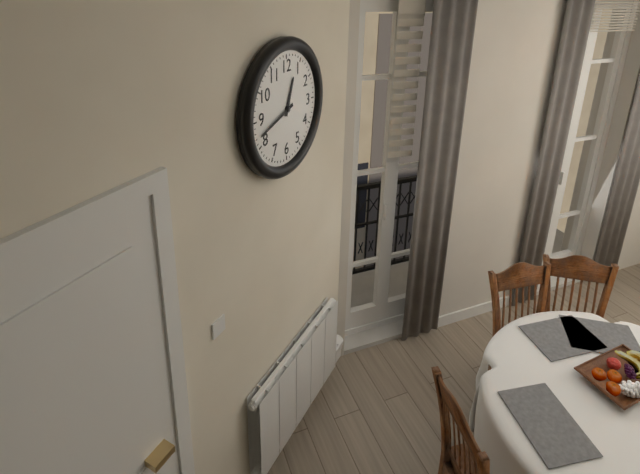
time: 12:42
